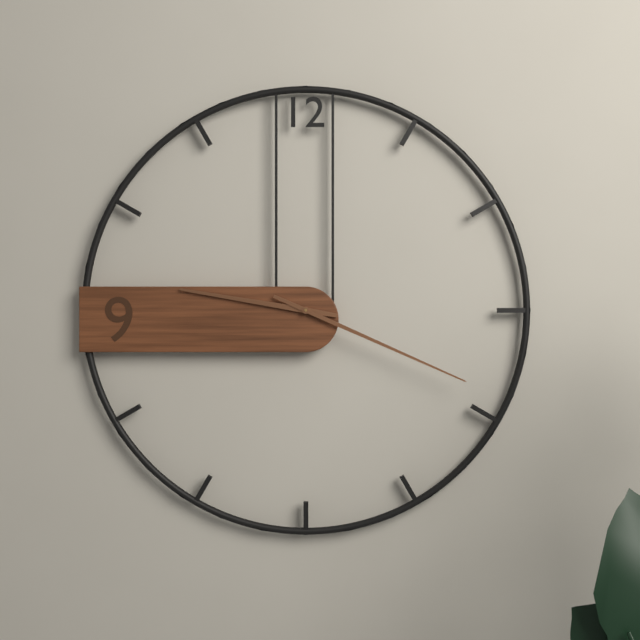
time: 9:19
